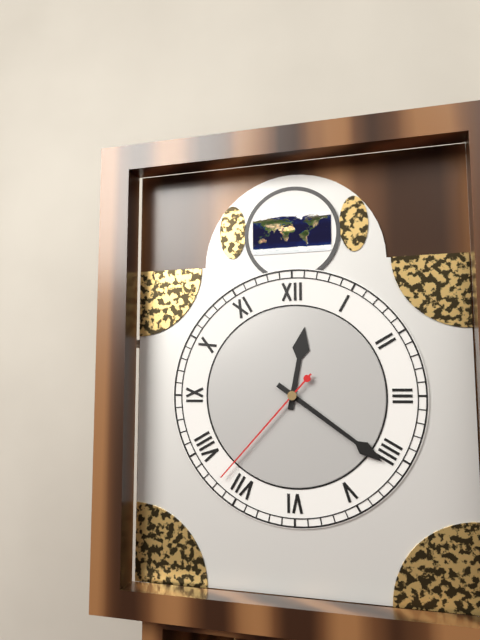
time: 12:21:37
